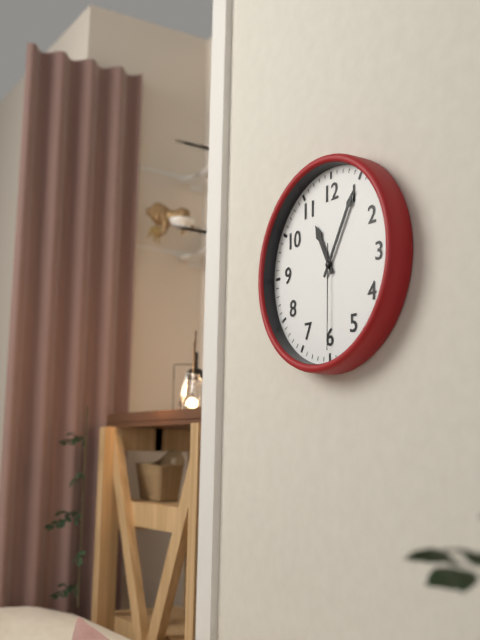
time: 11:05:30
